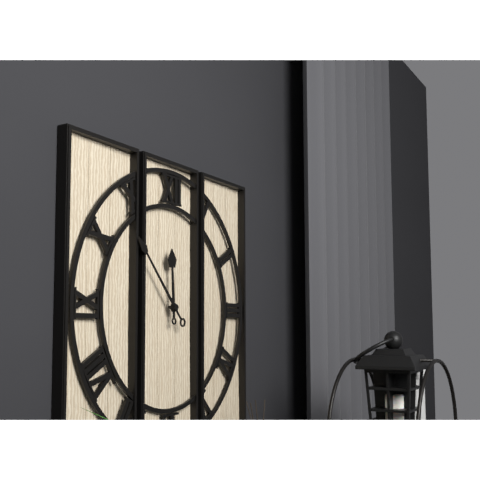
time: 11:53
